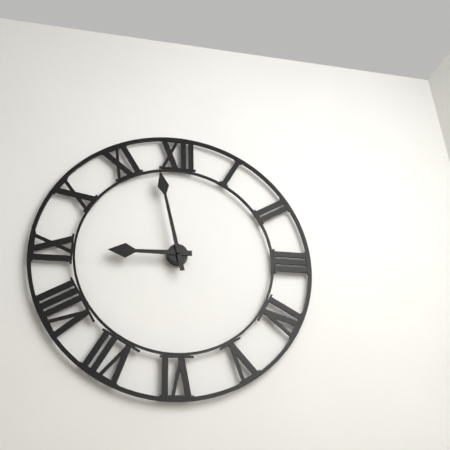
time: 8:58
